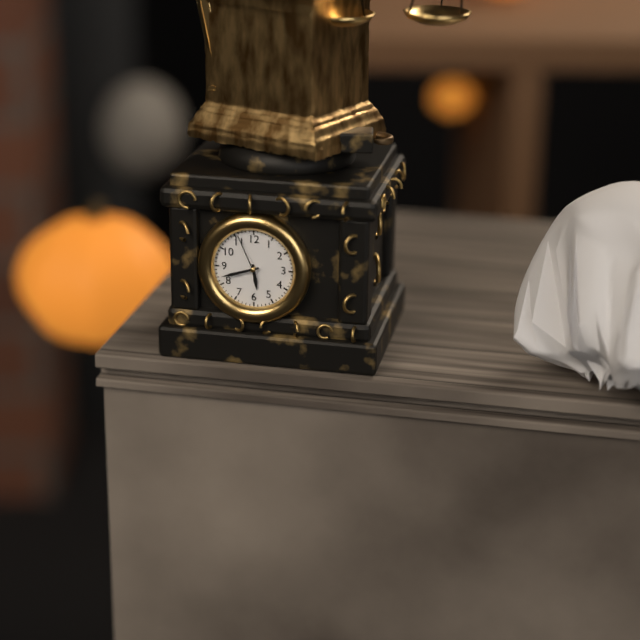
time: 5:42
